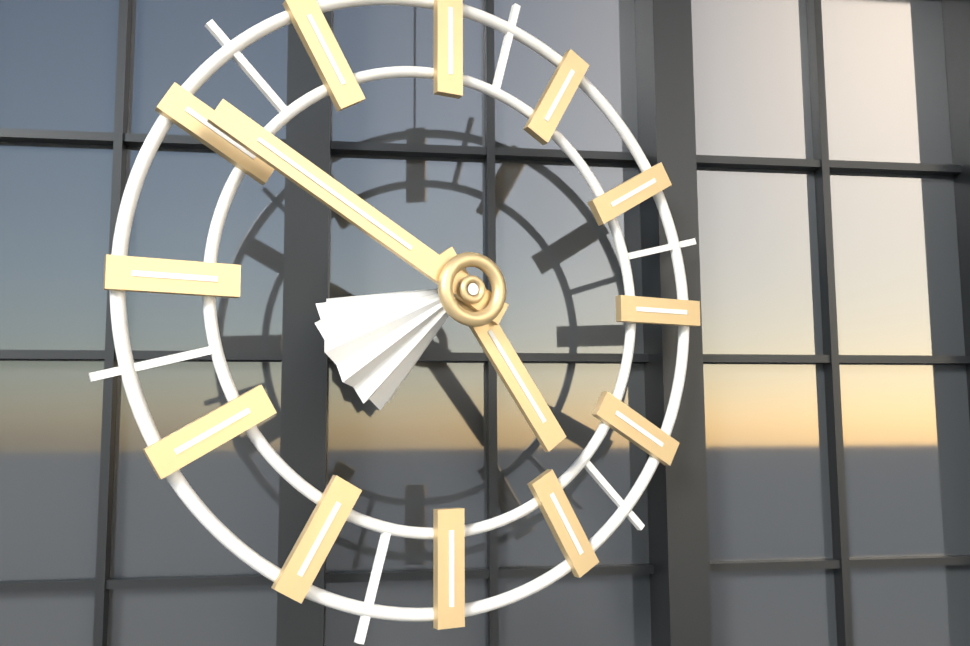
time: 4:50
